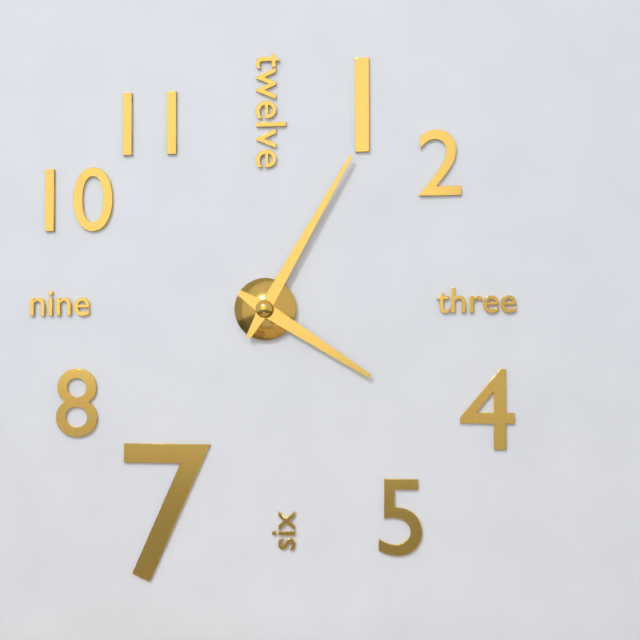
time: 4:05
